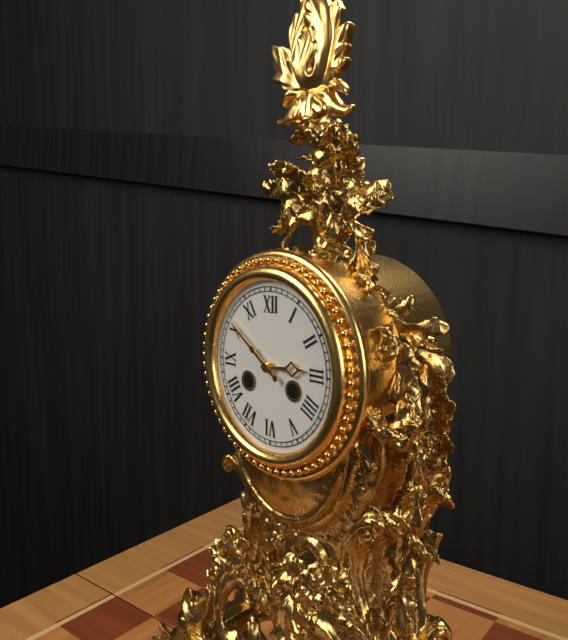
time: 2:51
